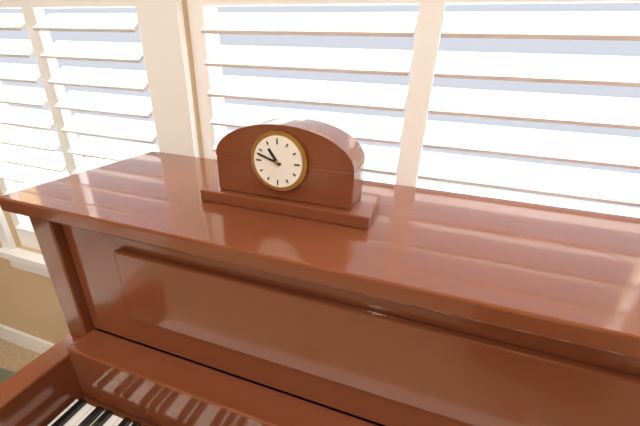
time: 10:48
